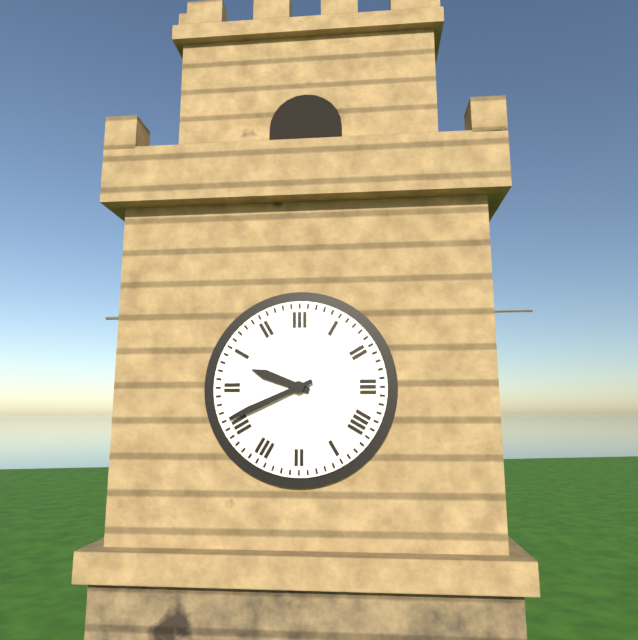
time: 9:41
